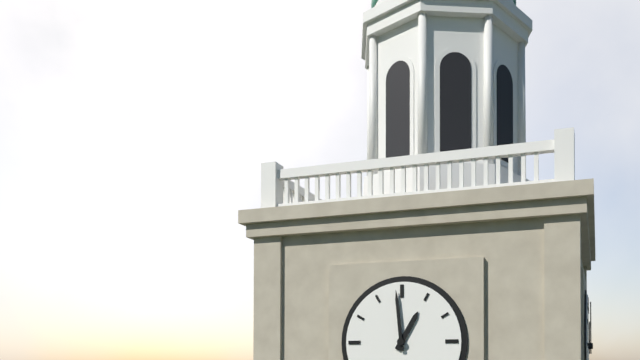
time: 12:59
